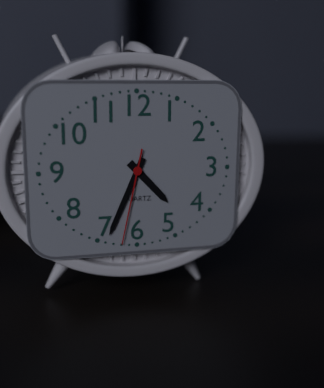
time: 4:34:32
